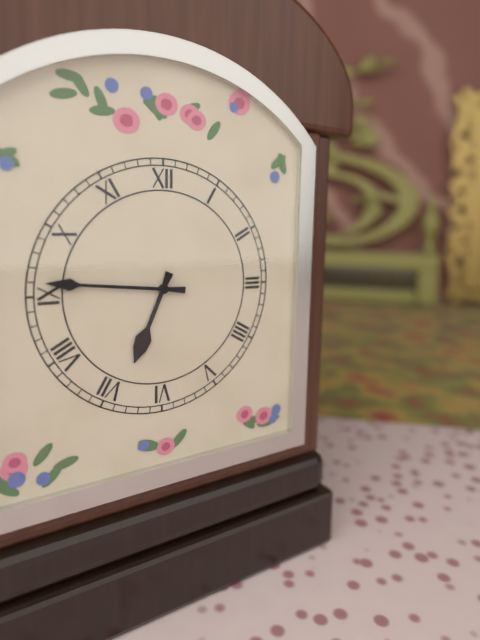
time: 6:46
